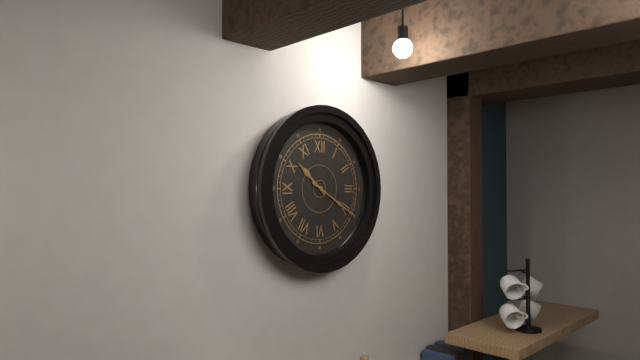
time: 10:20
